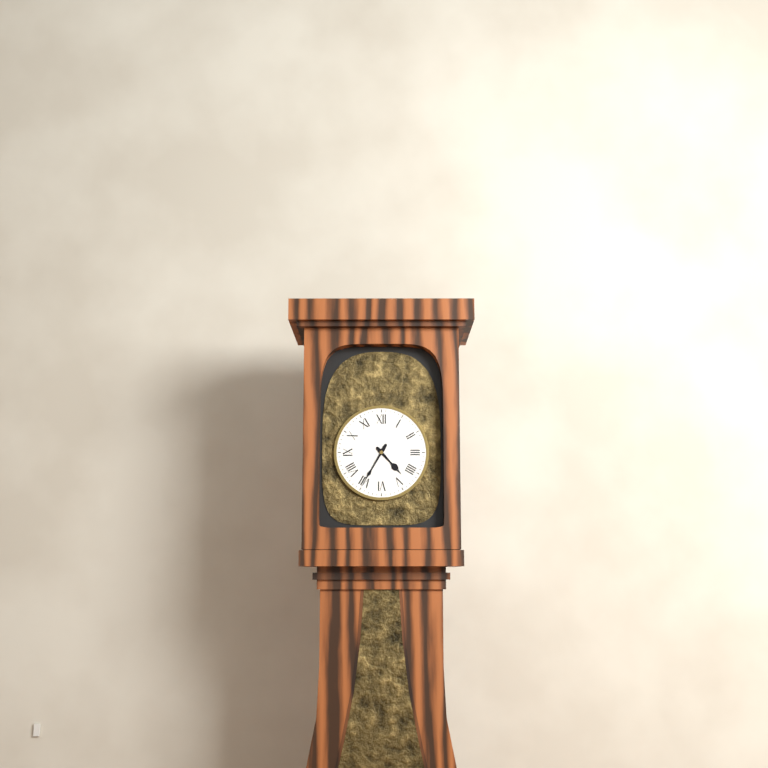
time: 4:35
